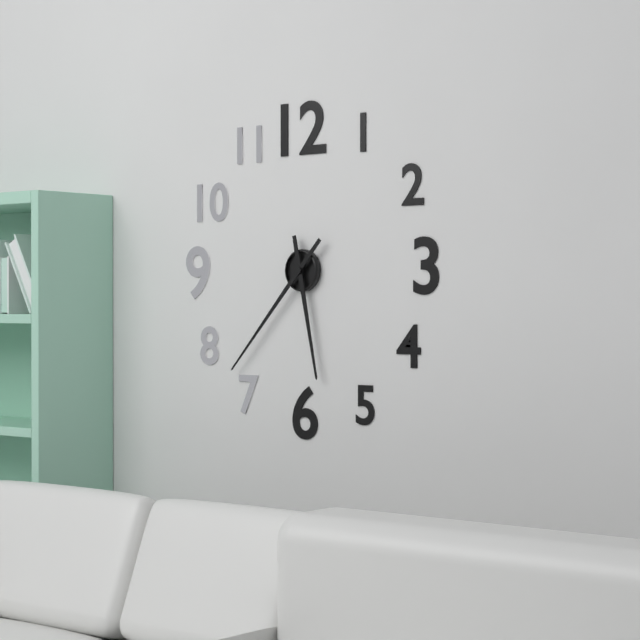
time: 5:37
